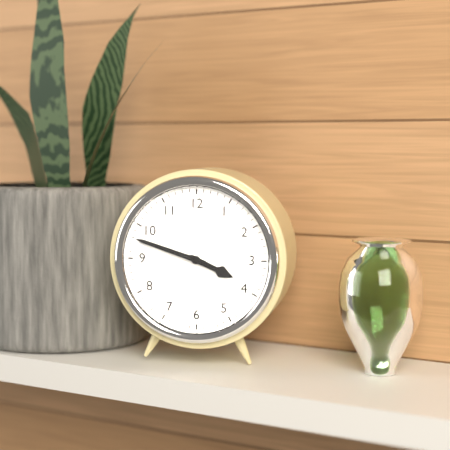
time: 3:48
